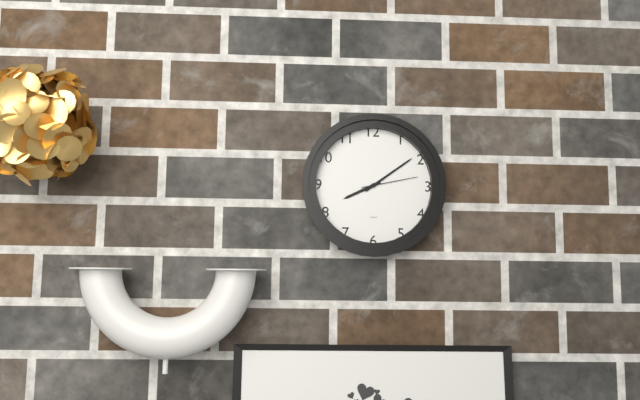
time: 8:09:13
